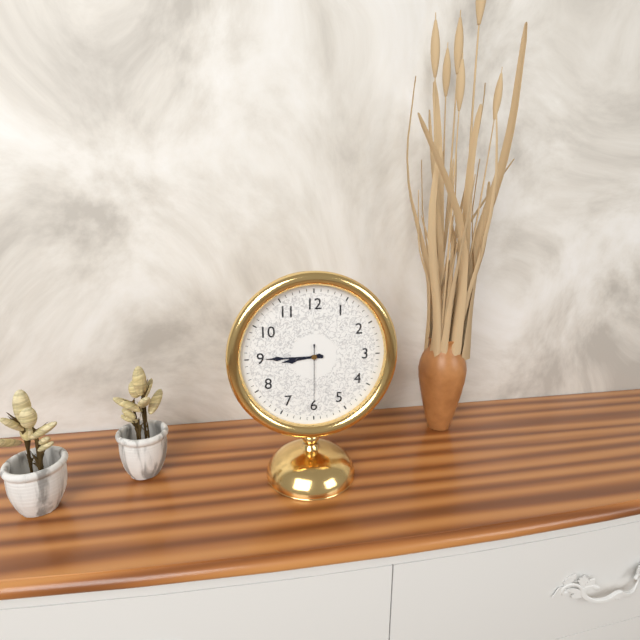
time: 8:45:30
